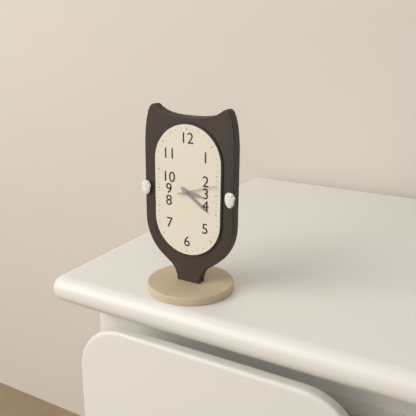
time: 3:21
